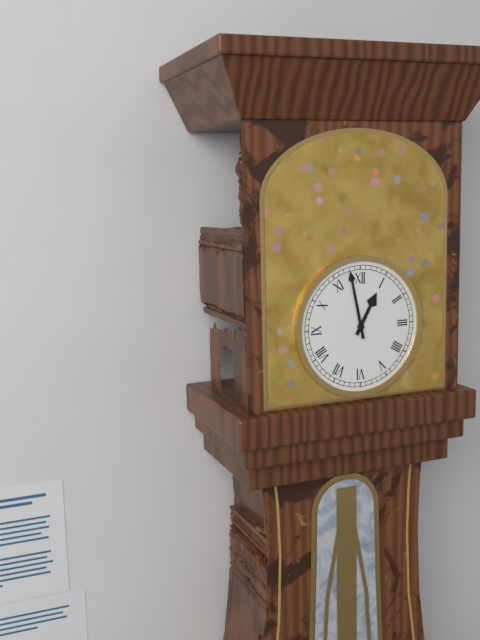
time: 12:58
